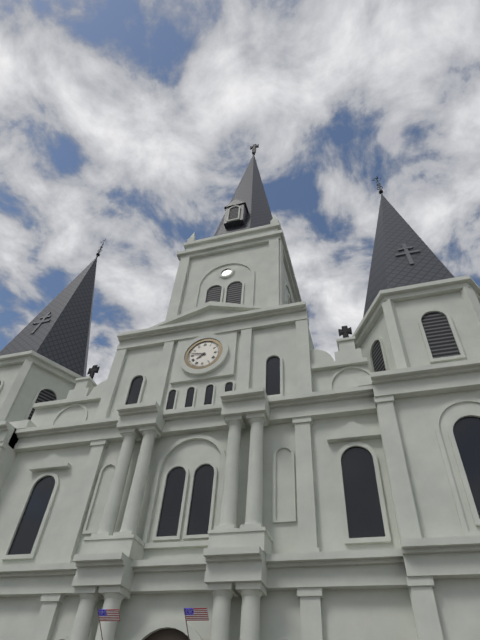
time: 7:47
